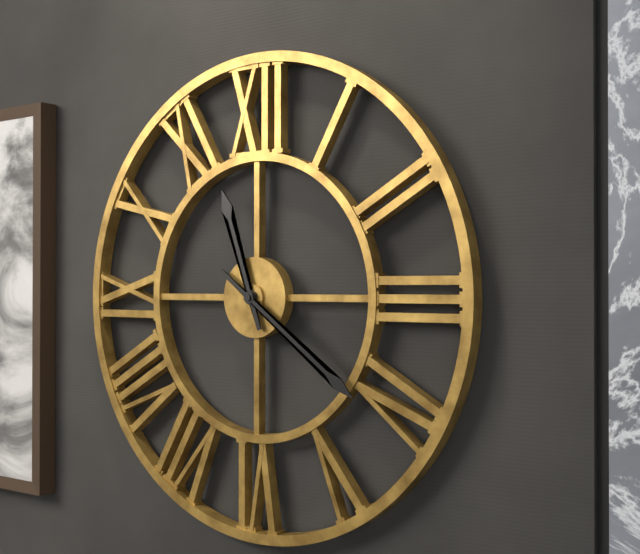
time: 11:21
